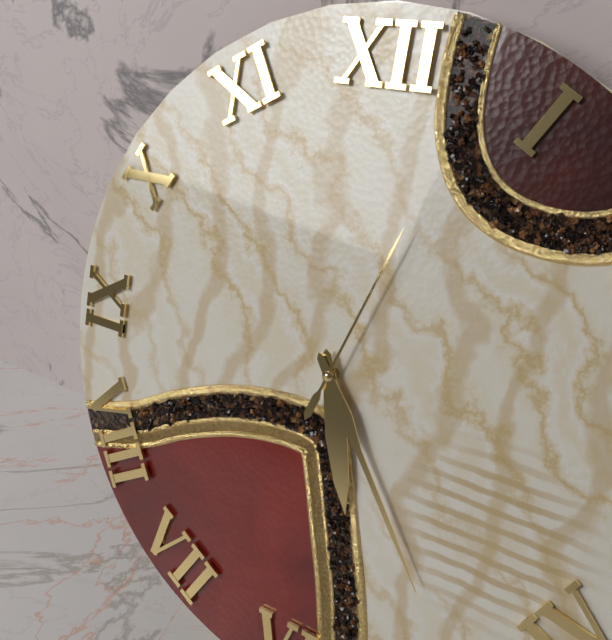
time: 5:24:03
